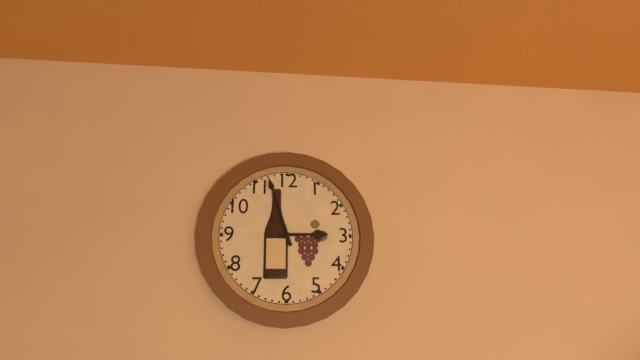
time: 2:57
